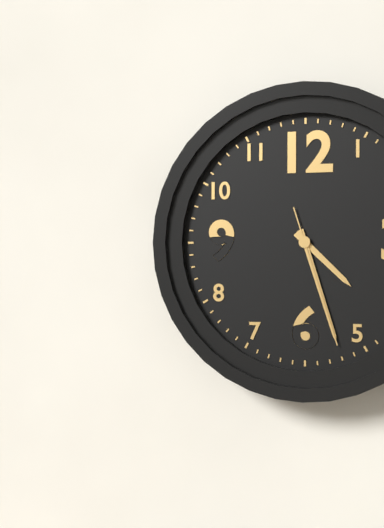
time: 4:27:27
